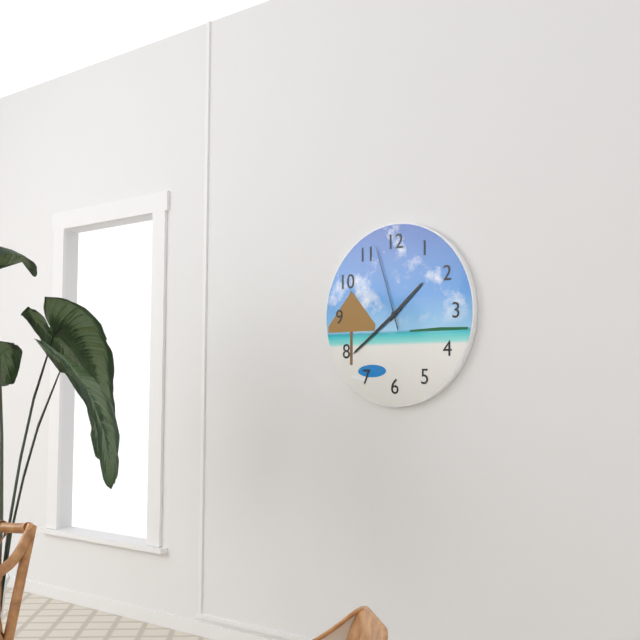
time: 1:39:57
